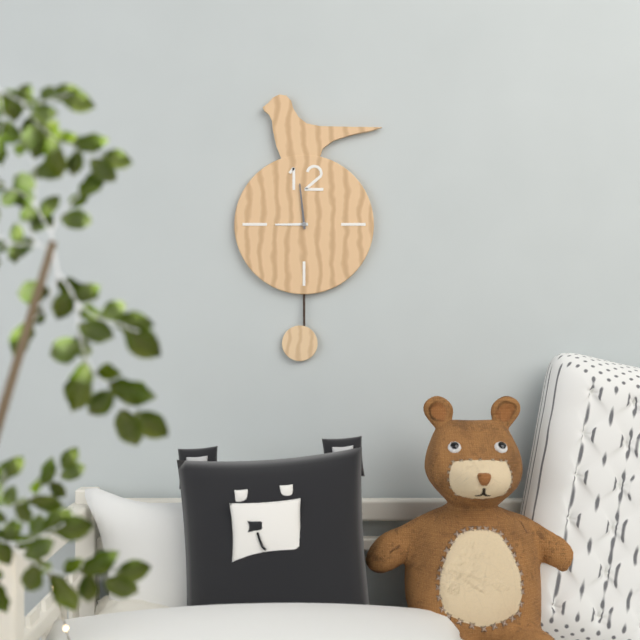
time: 8:59
